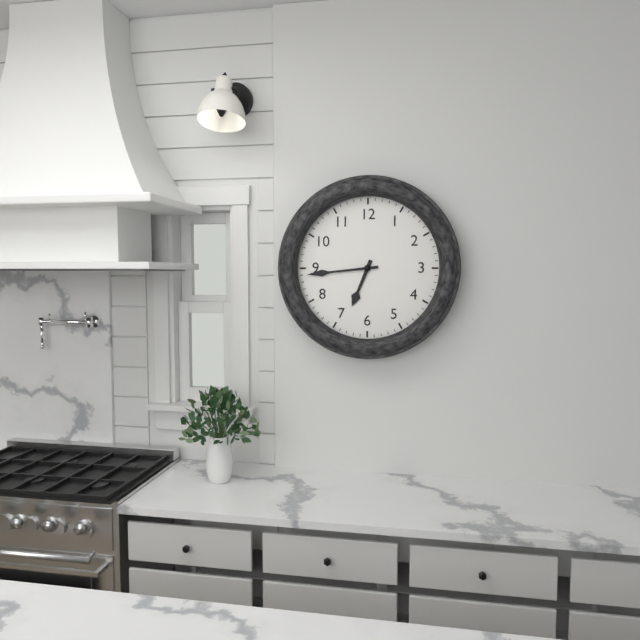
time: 6:44
